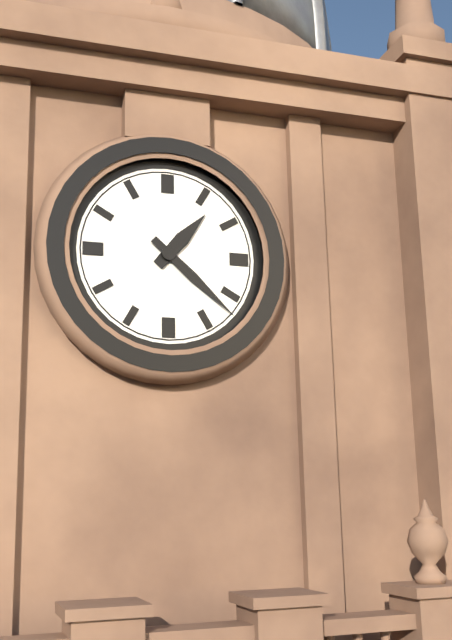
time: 1:22
